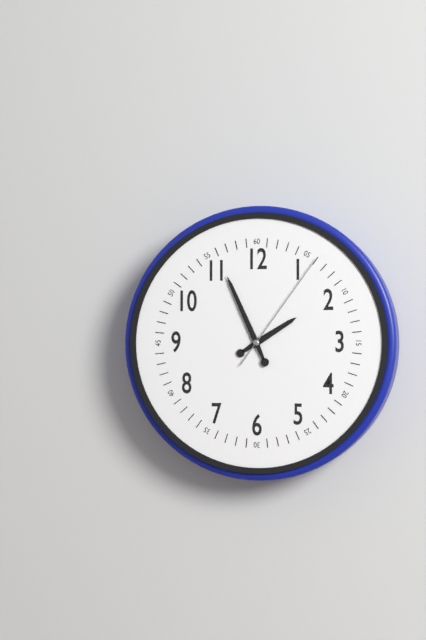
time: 1:56:06
